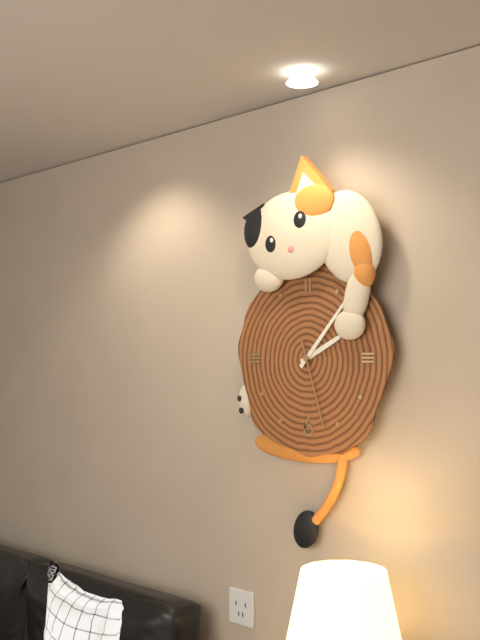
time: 2:07:27
